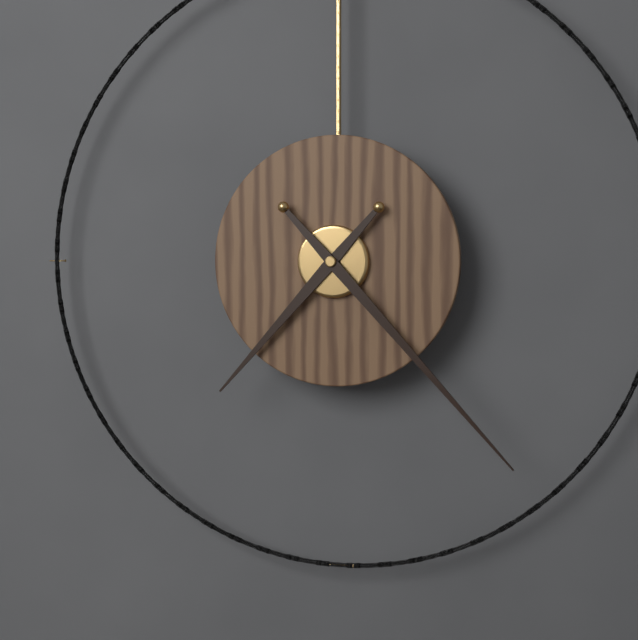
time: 7:23
